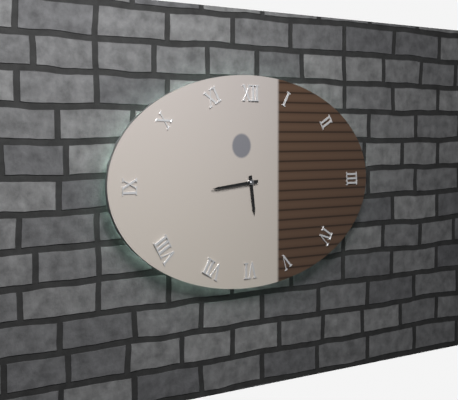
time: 5:44
